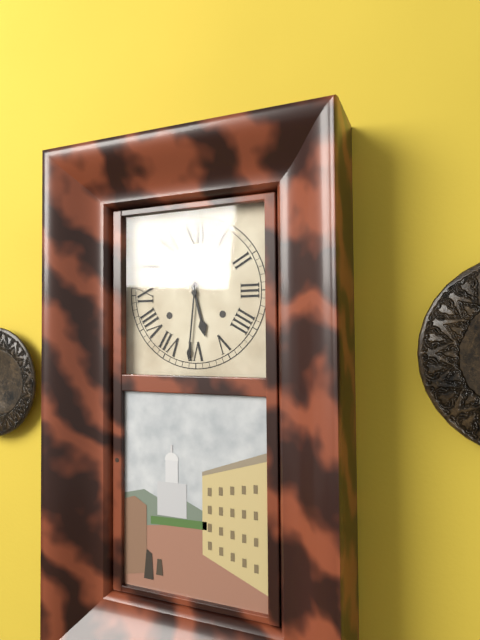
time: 5:31
